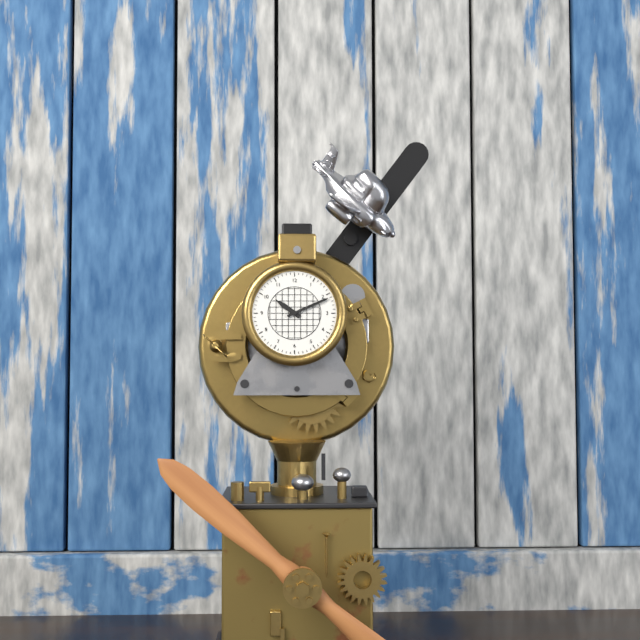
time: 10:11
